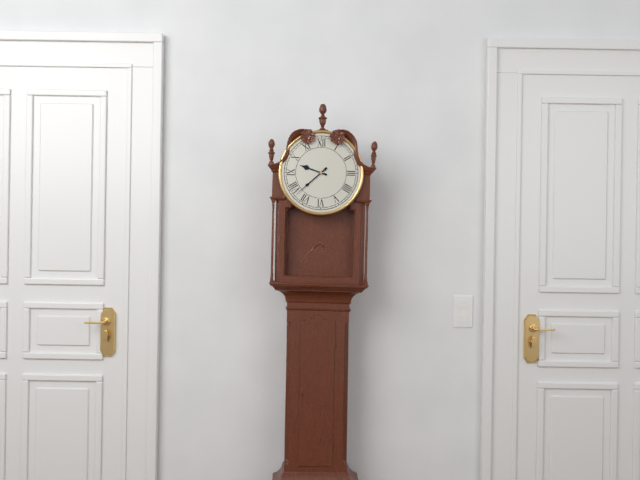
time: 9:38
